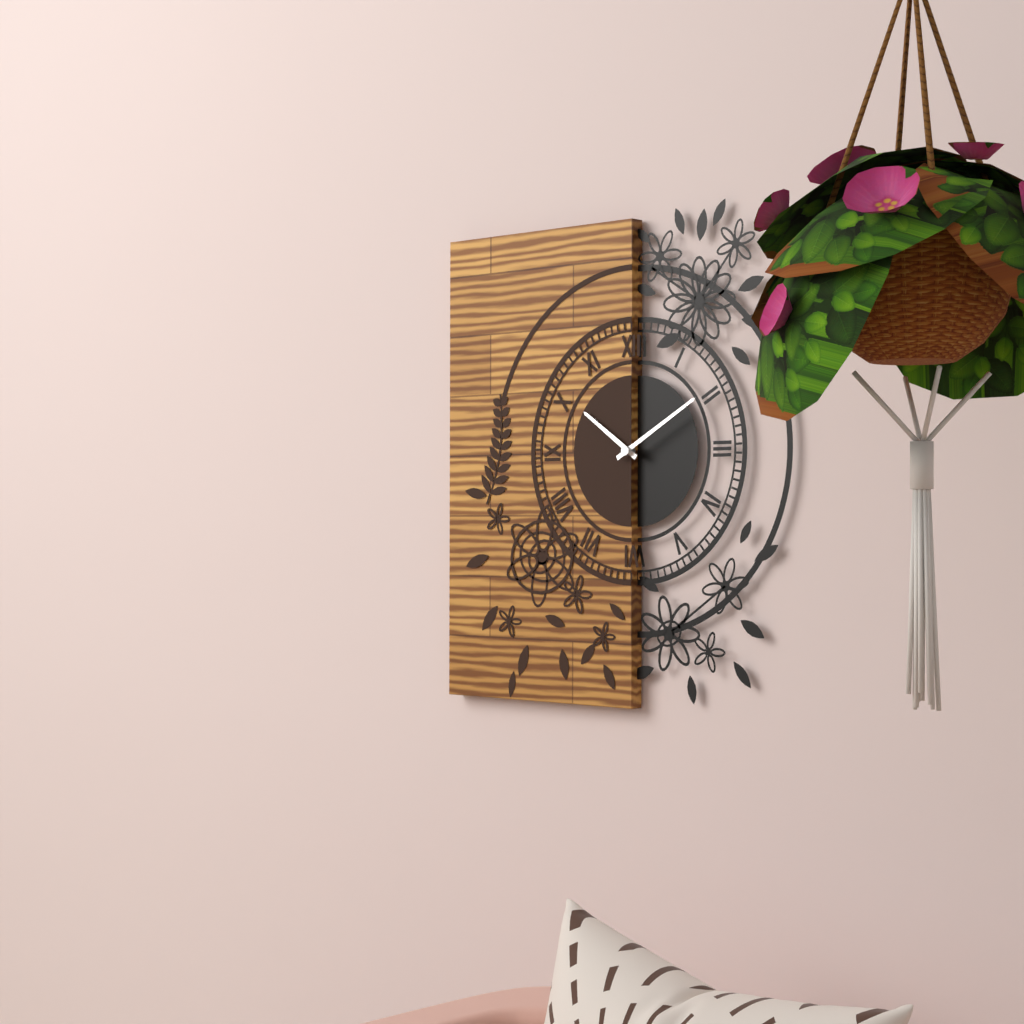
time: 10:10
